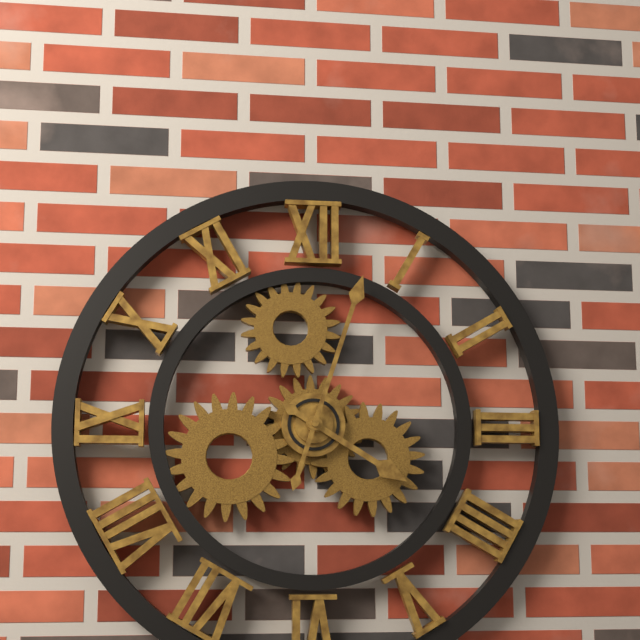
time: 4:03
